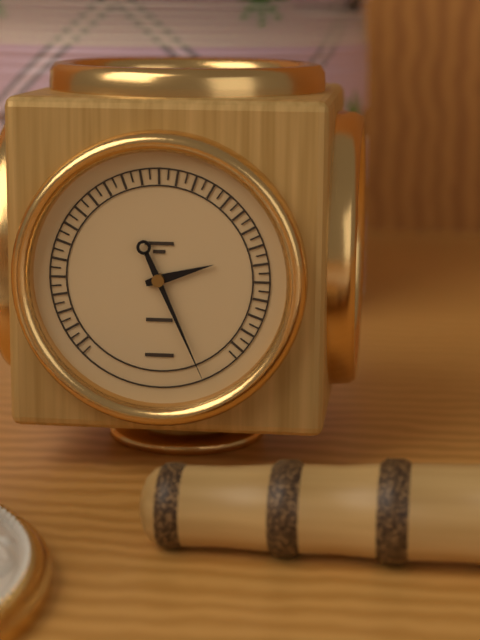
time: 2:26
